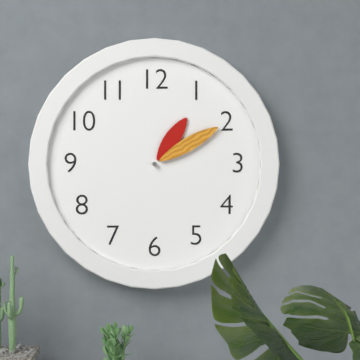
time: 1:10
